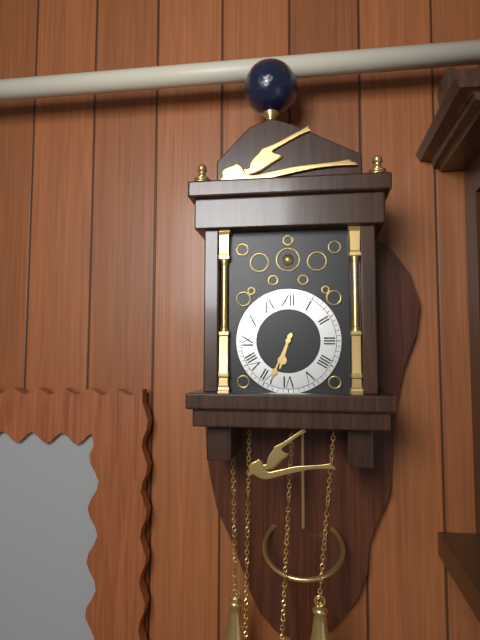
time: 6:34
